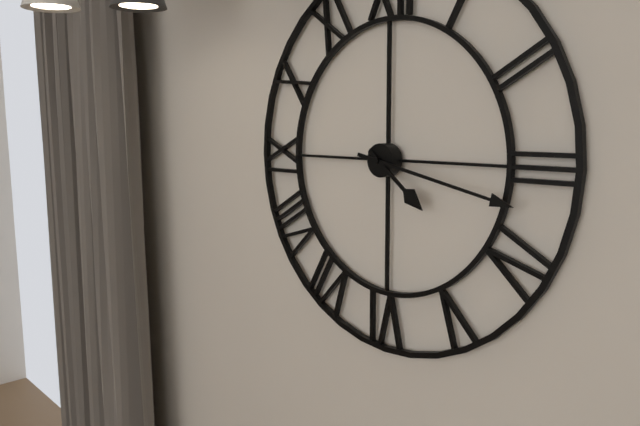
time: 4:17
